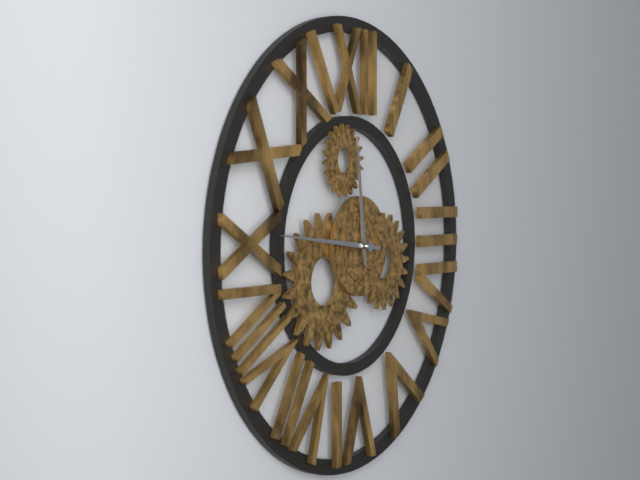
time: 11:46
